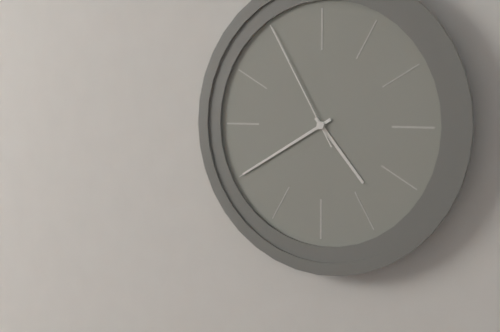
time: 4:40:55
